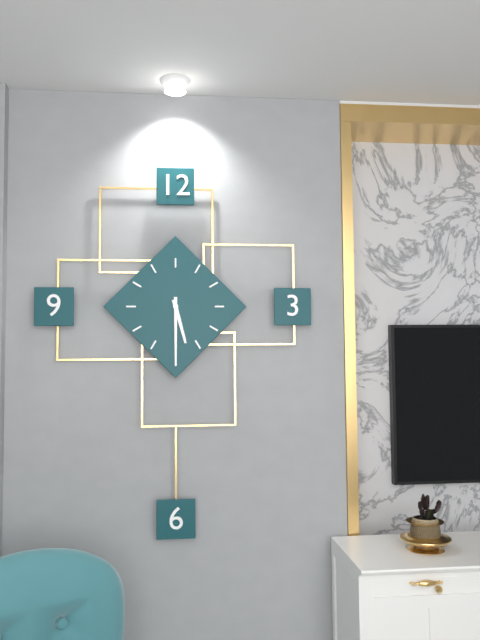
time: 5:30
